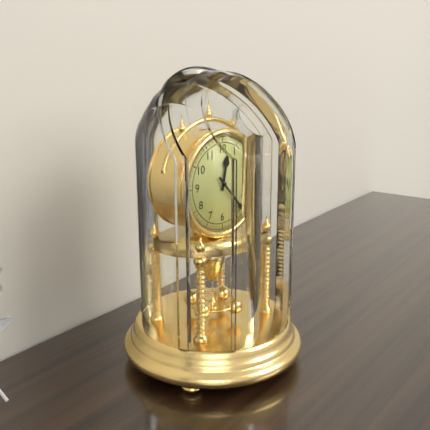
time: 12:23
